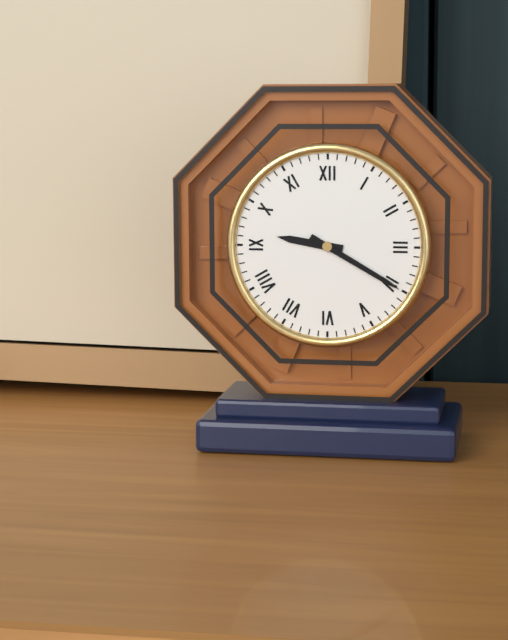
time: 9:20
